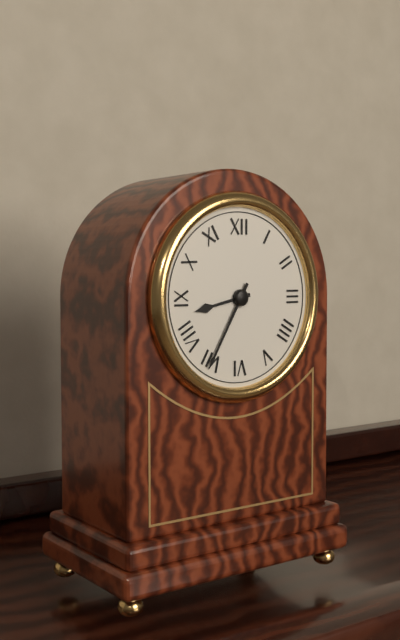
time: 8:35
